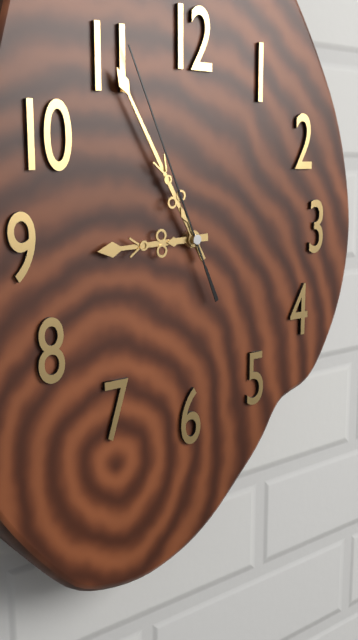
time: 8:55:56
